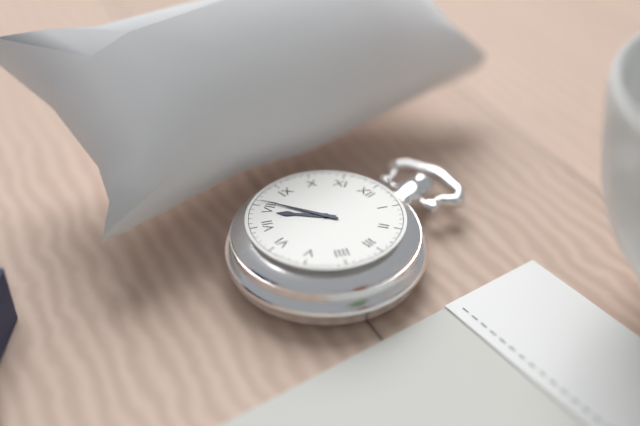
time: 7:41
